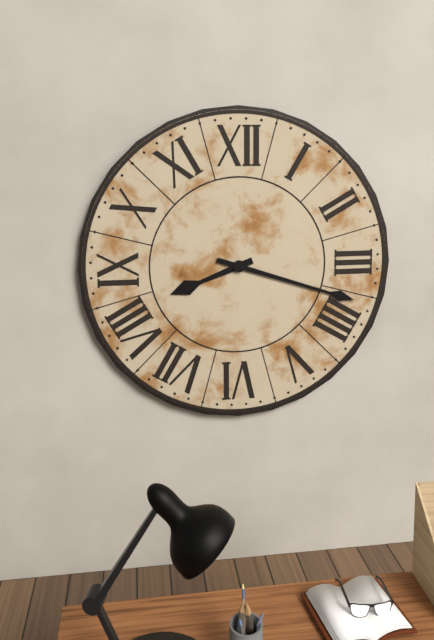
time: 8:18
